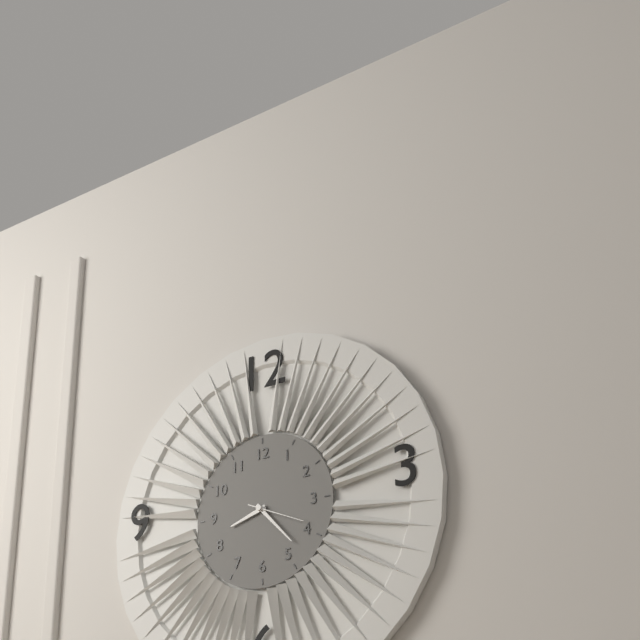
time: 8:23:19
